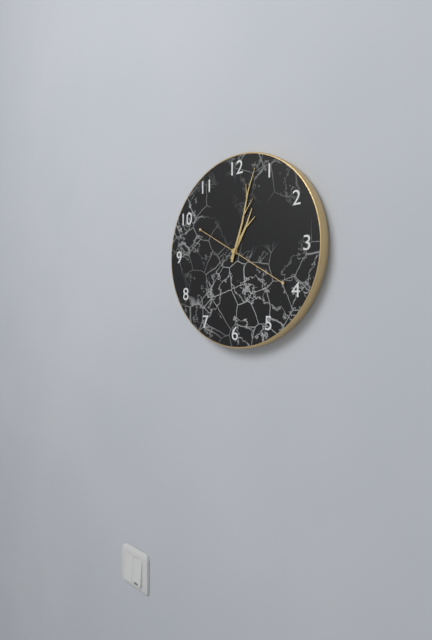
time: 1:03:20
